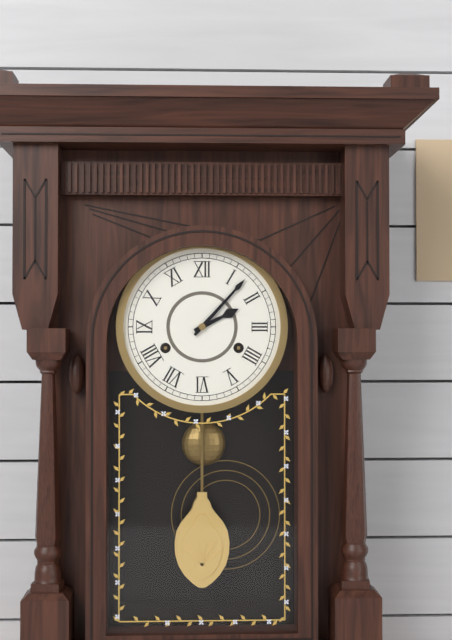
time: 2:07
